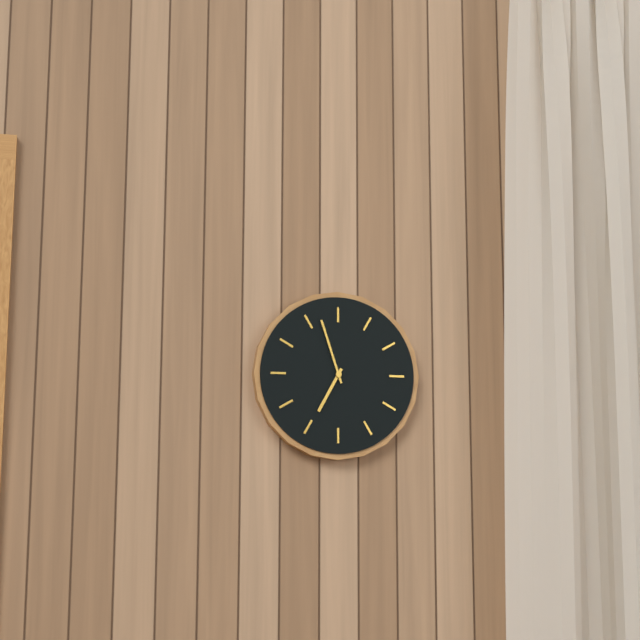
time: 6:57
